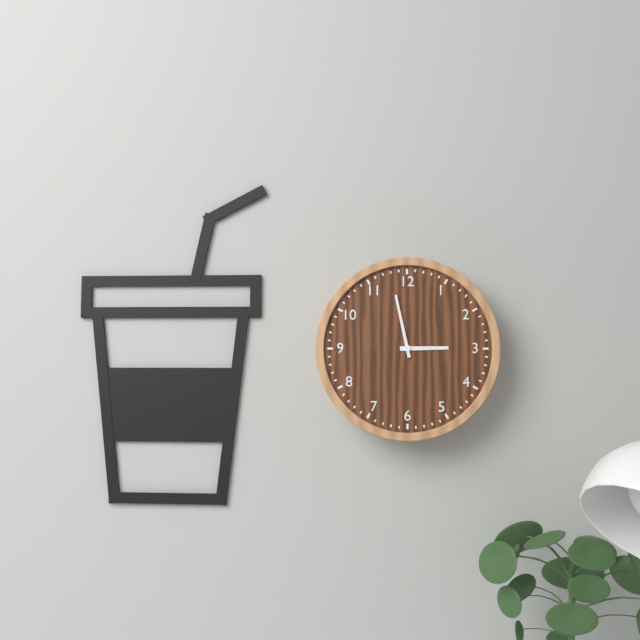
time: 2:58
